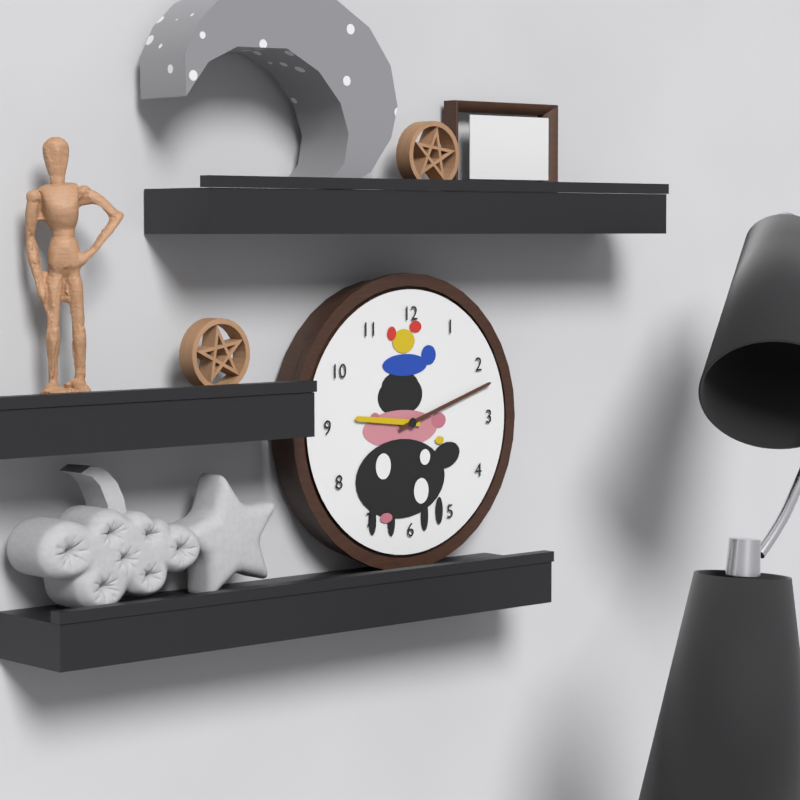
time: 9:12
